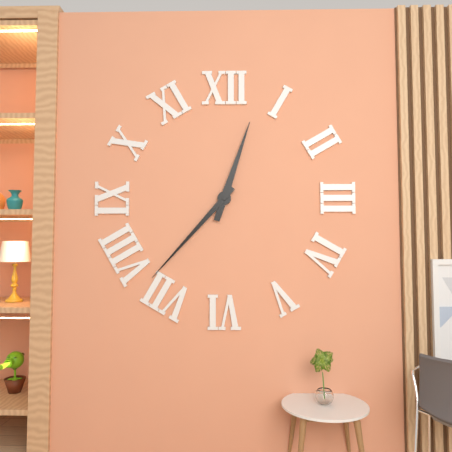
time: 12:37
